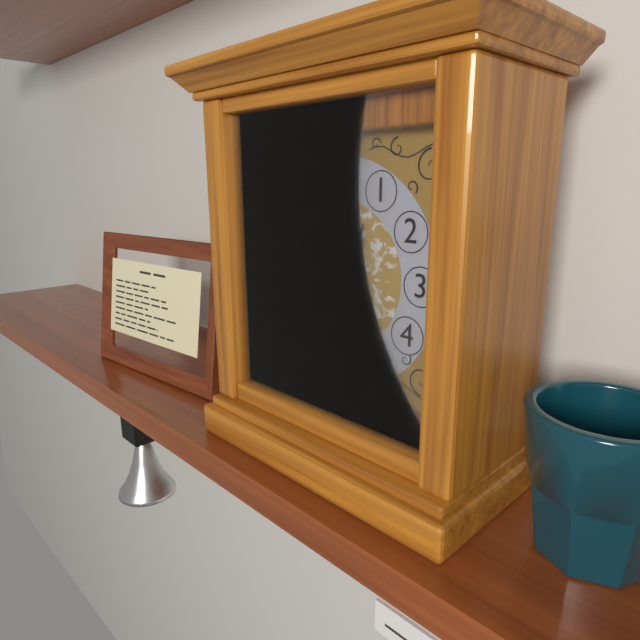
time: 12:58
